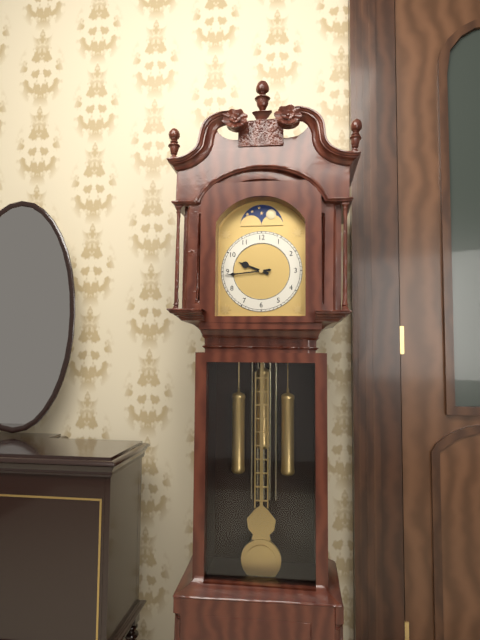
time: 9:44
